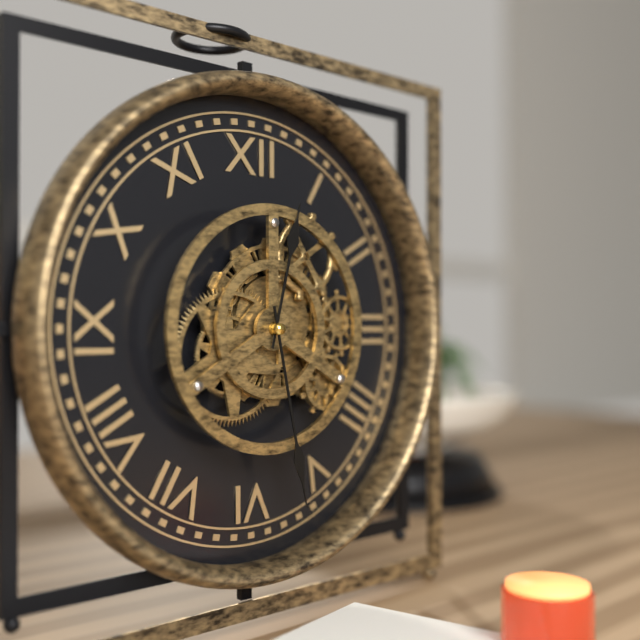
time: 12:28
